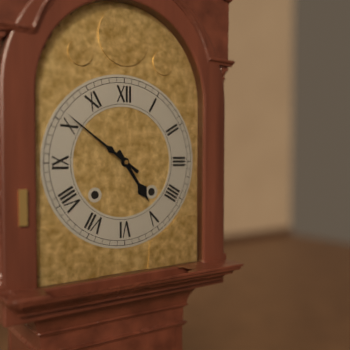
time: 4:51
